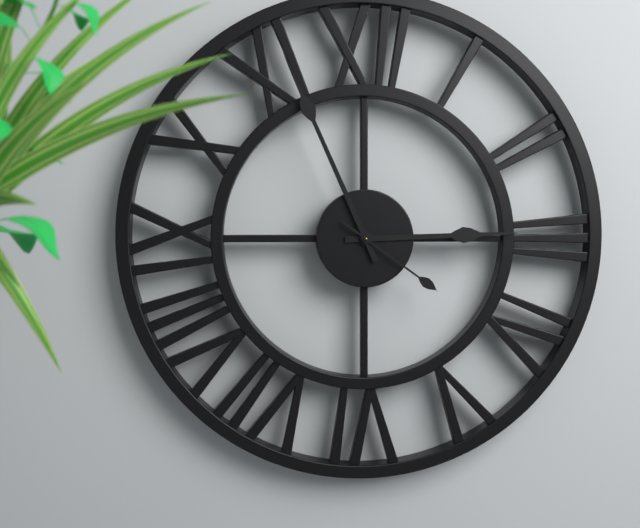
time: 2:56:21
